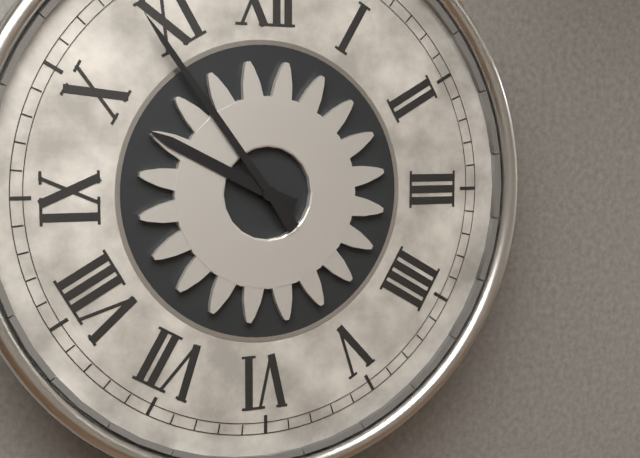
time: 9:54
